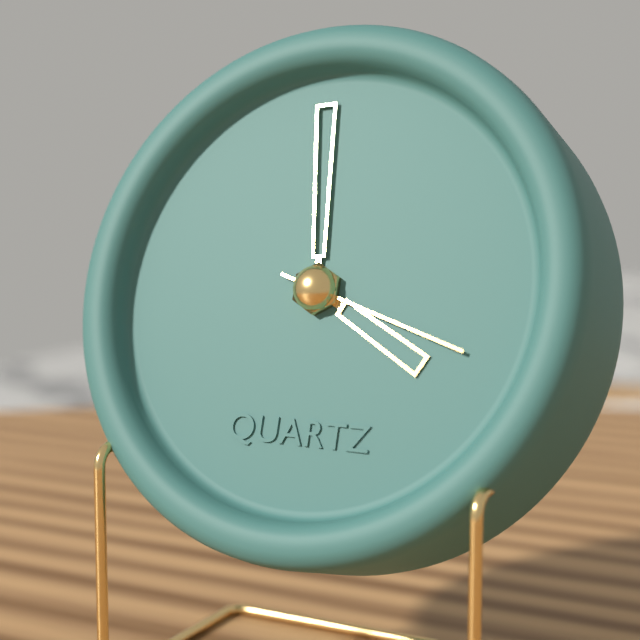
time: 3:59:18
